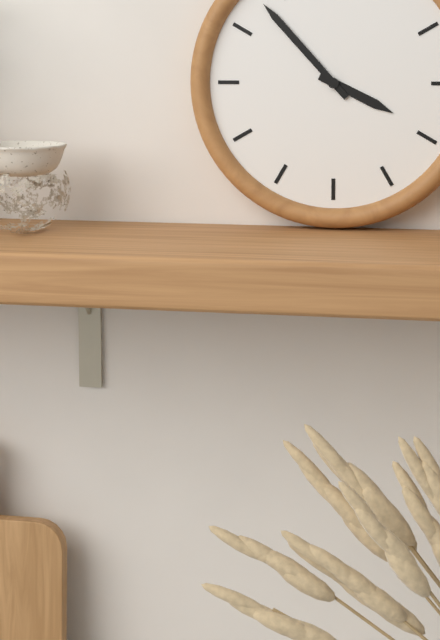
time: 3:53
